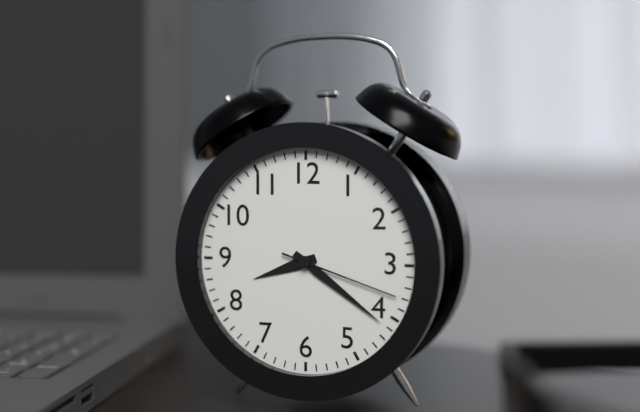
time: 8:21:18
